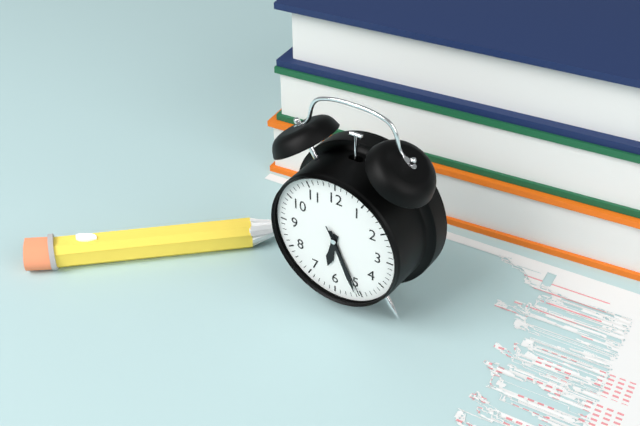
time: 6:26:25
